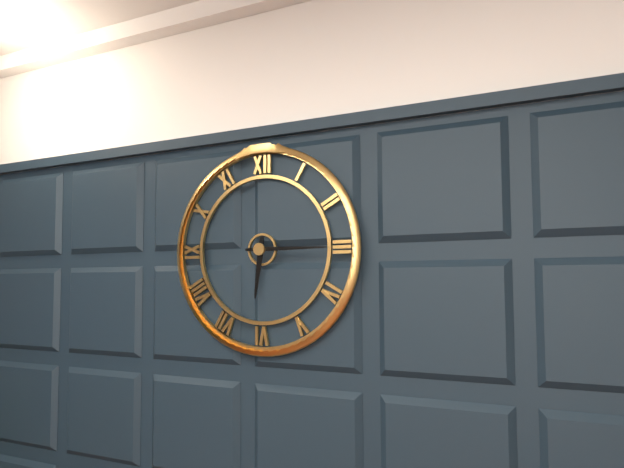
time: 6:15
